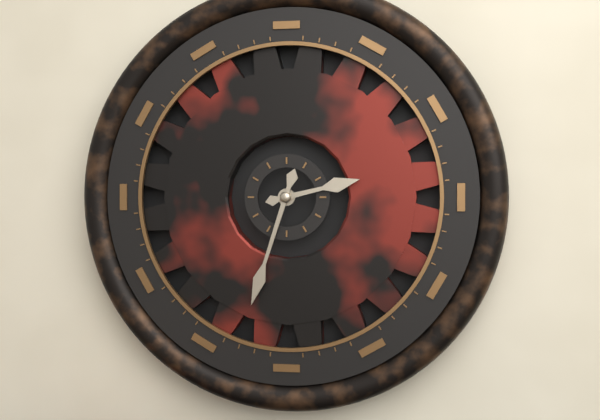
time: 2:33
